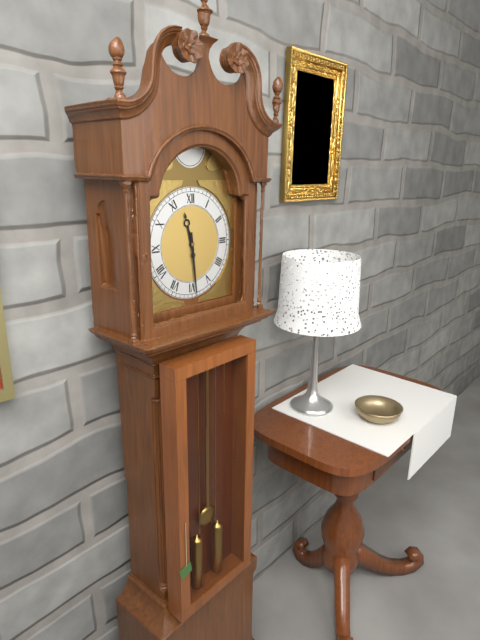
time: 11:29
